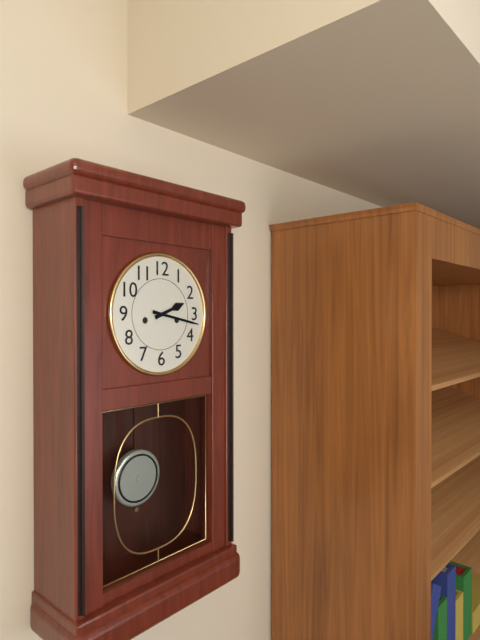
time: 2:17
